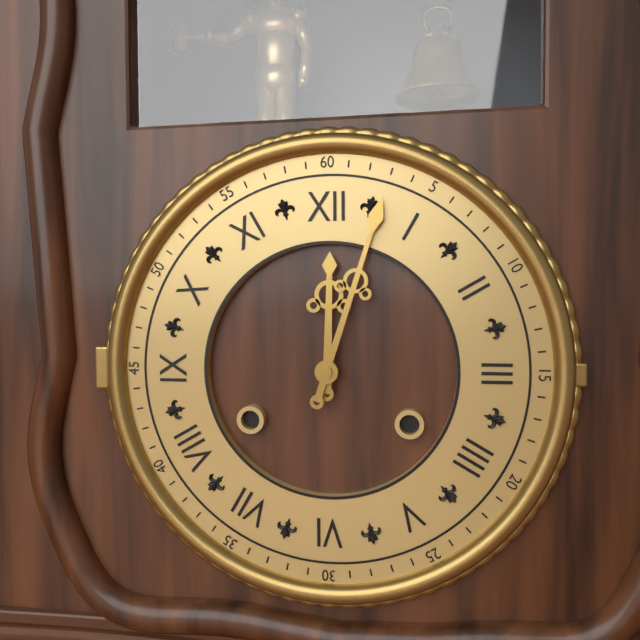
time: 12:03
